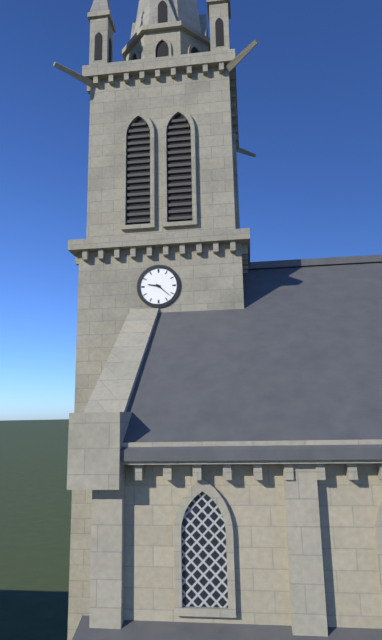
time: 9:22
